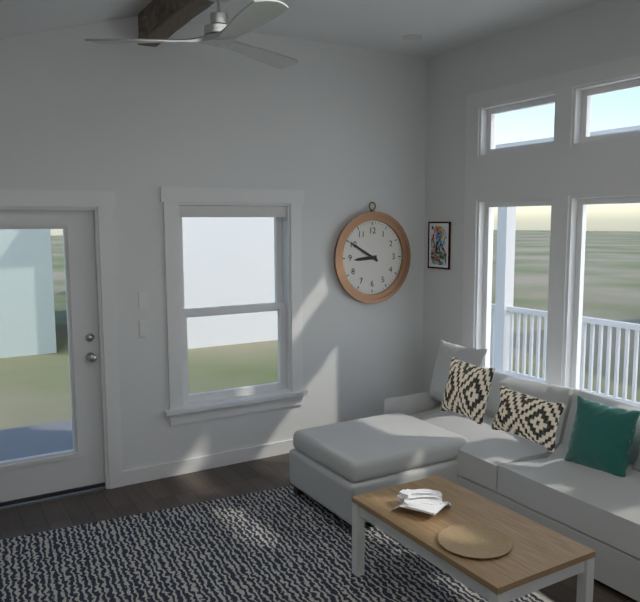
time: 8:50
